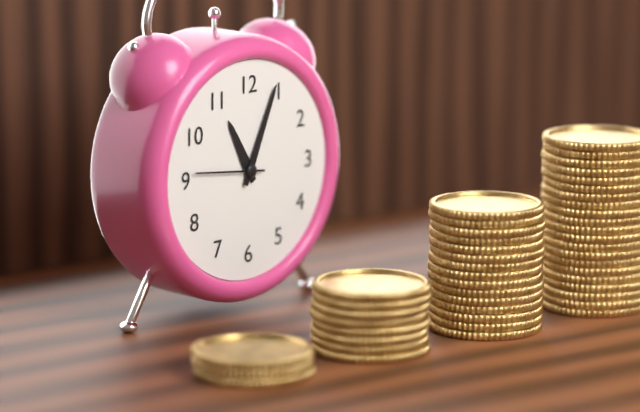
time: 11:04:46
